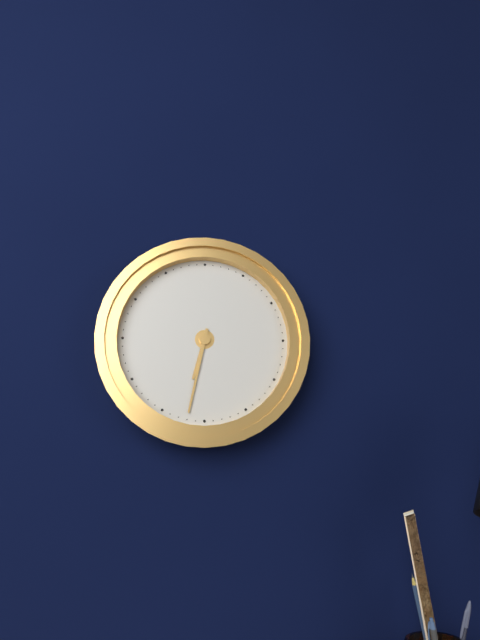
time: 6:32
